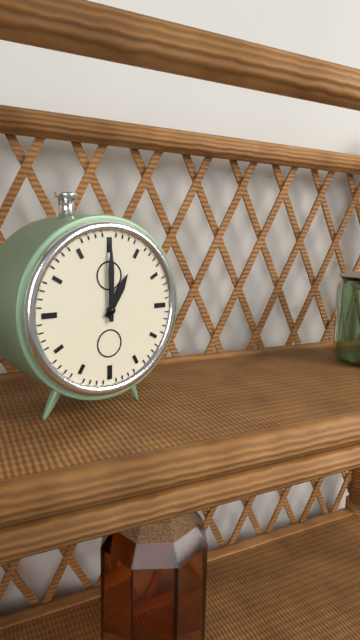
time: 1:00
